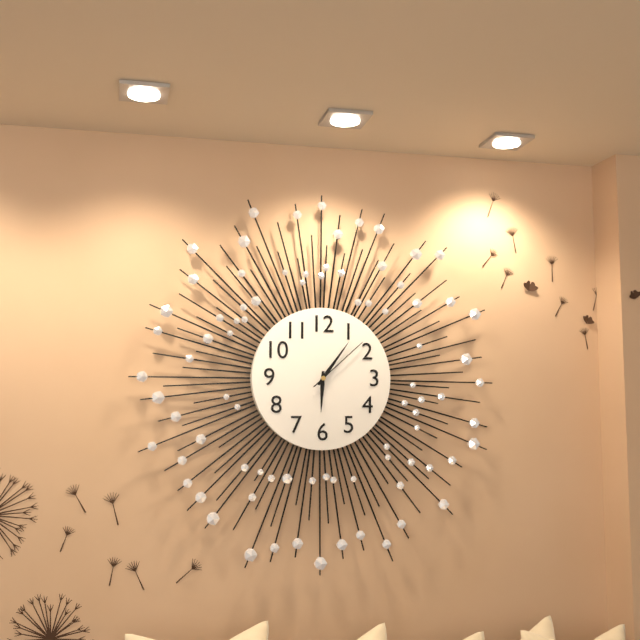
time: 6:06:08
